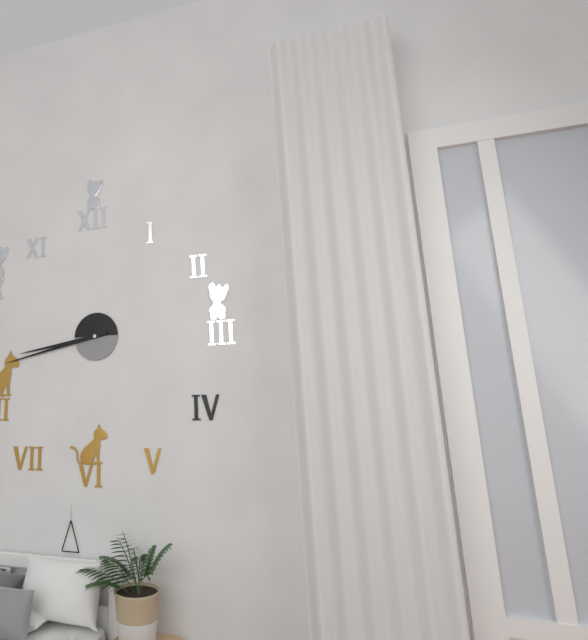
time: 8:43
